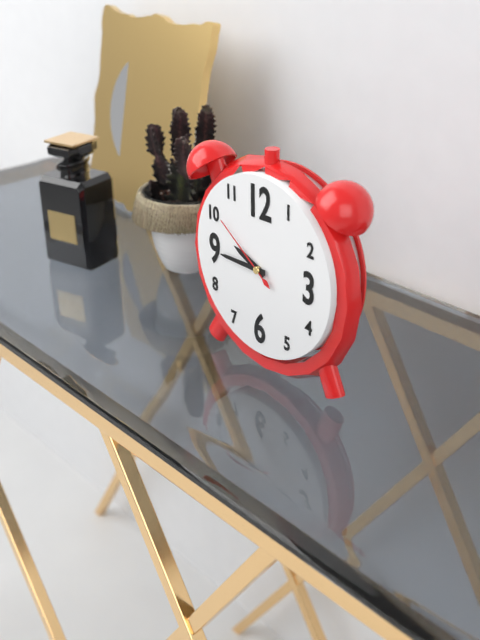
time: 9:45:51
